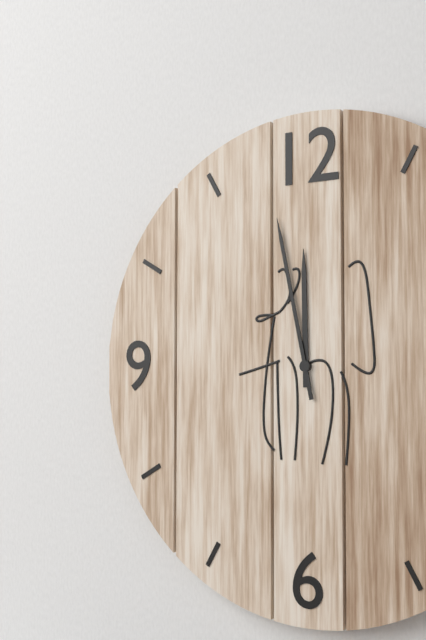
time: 11:58
